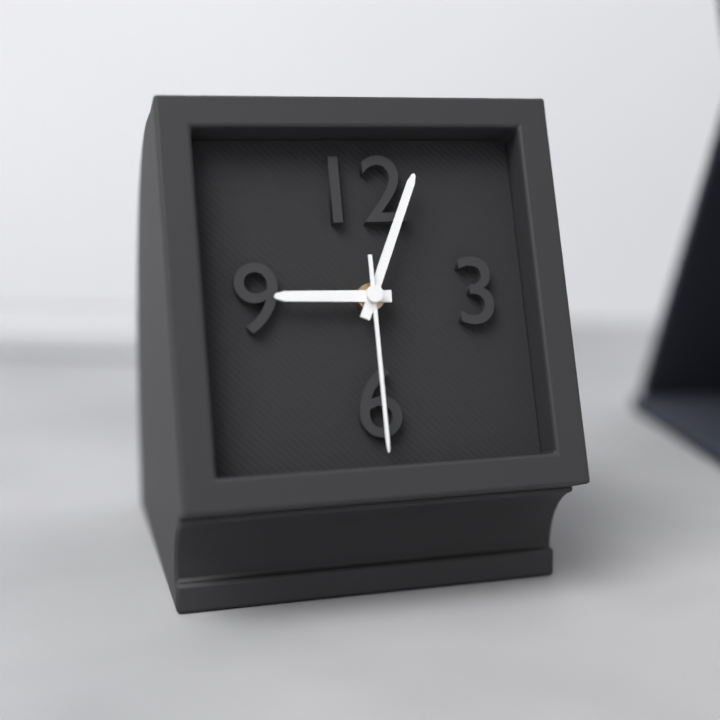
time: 9:04:30
